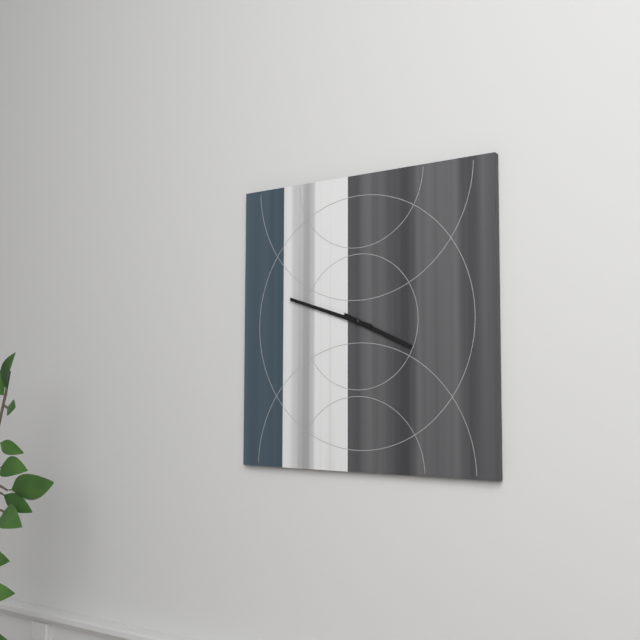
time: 3:48
